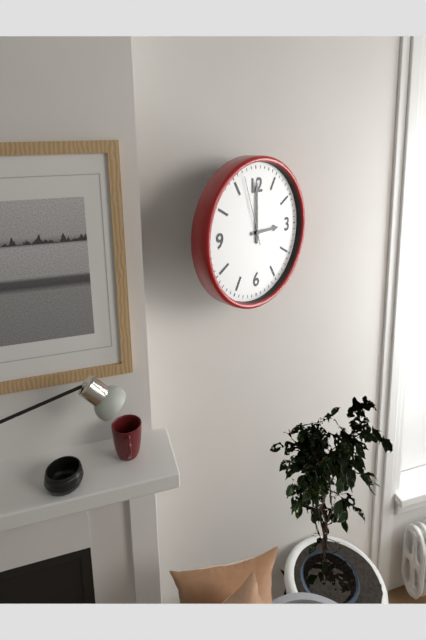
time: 3:00:57
